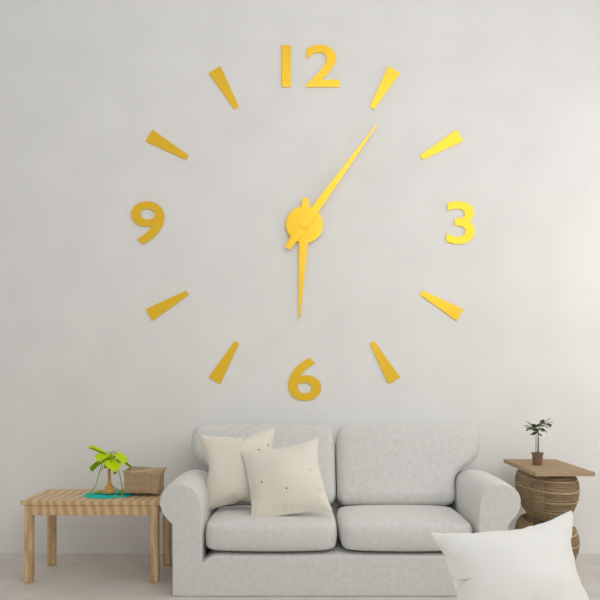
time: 6:06
